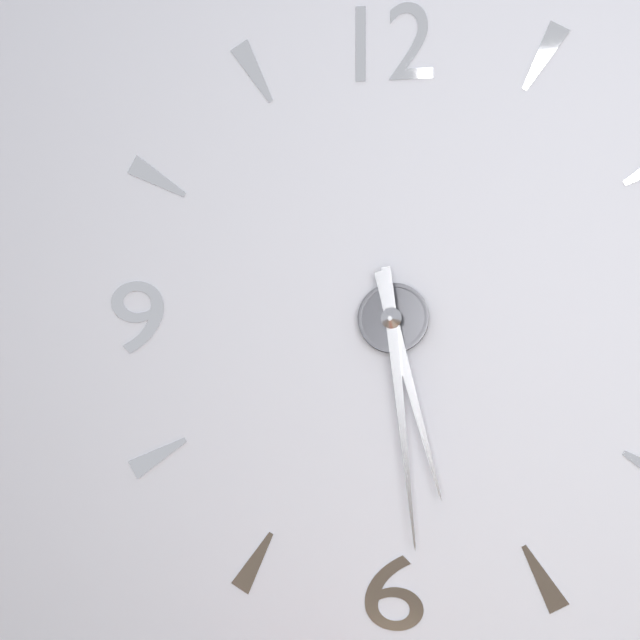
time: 5:29
